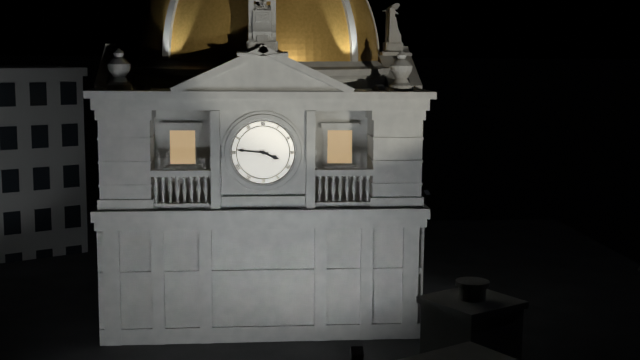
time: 3:46
